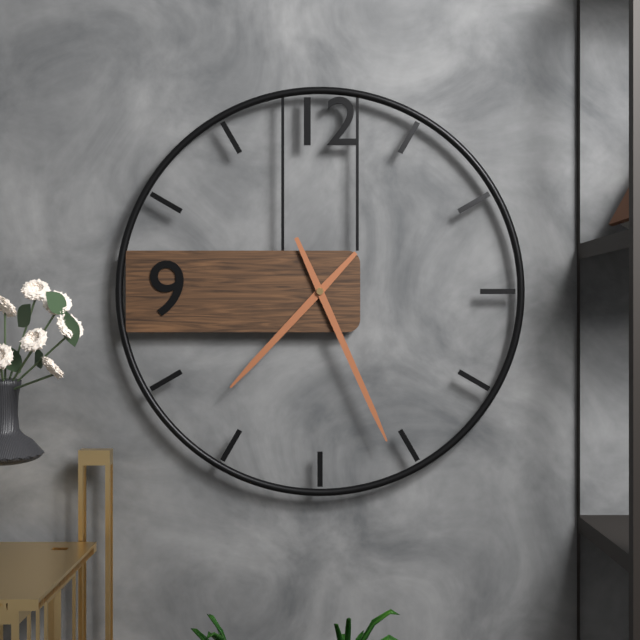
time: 7:26
